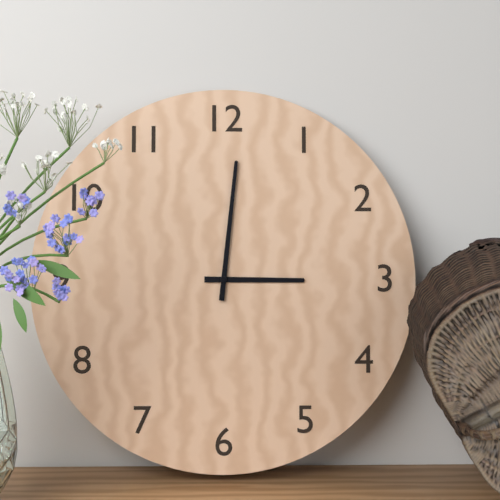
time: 3:01
